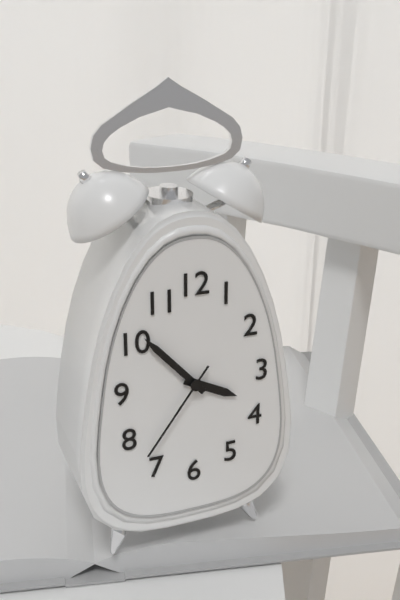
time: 3:53:36
